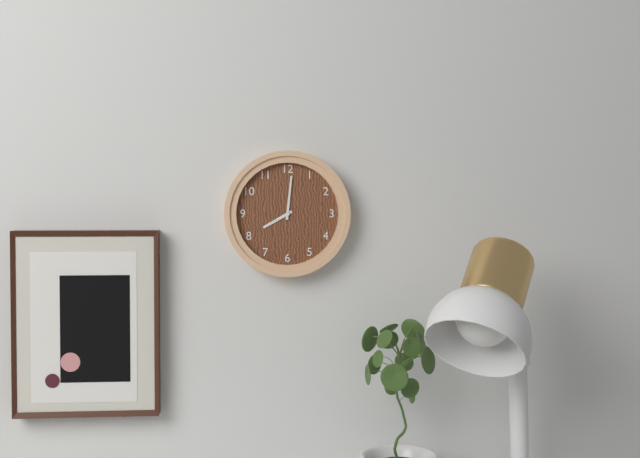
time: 8:01
